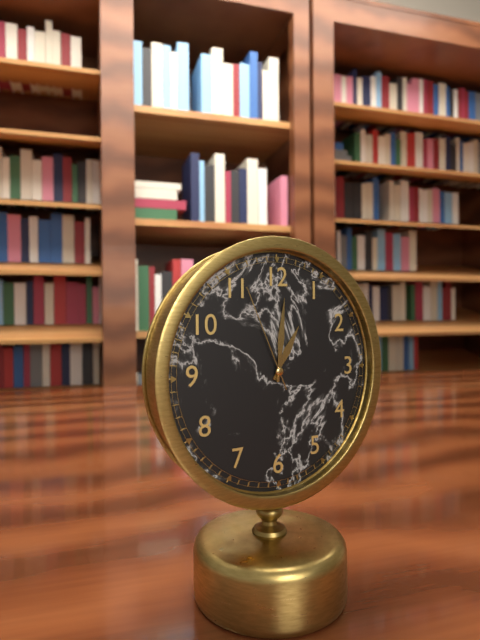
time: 1:01:56
